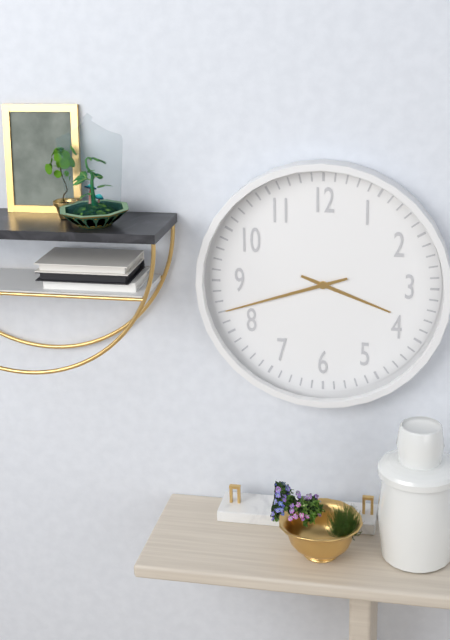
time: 3:42
